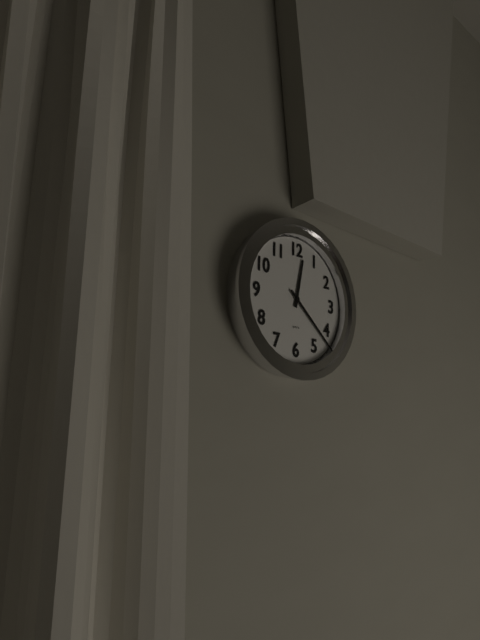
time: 12:22
